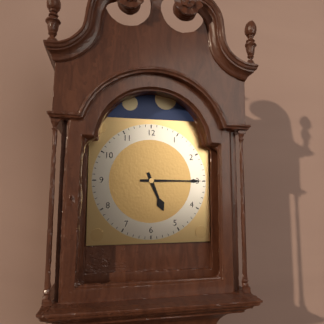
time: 5:15
